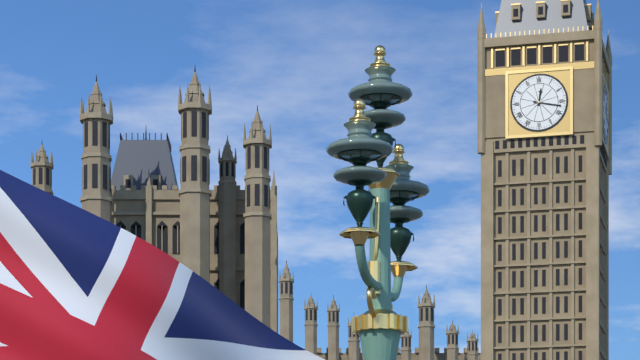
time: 12:17
